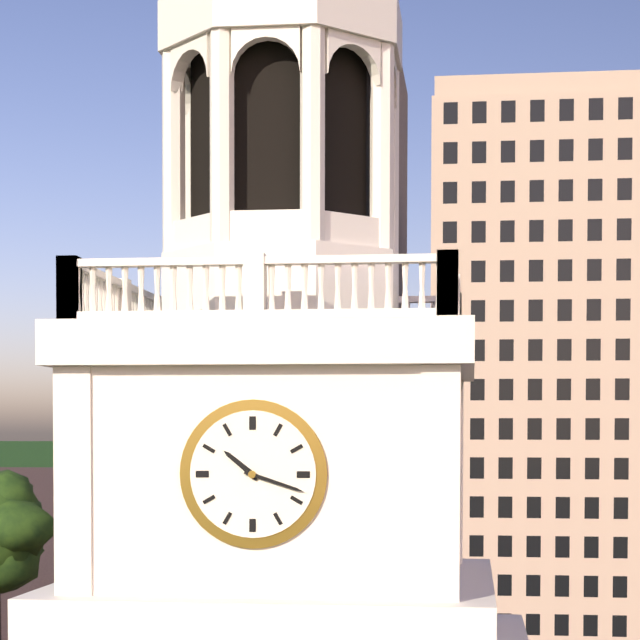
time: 10:18
